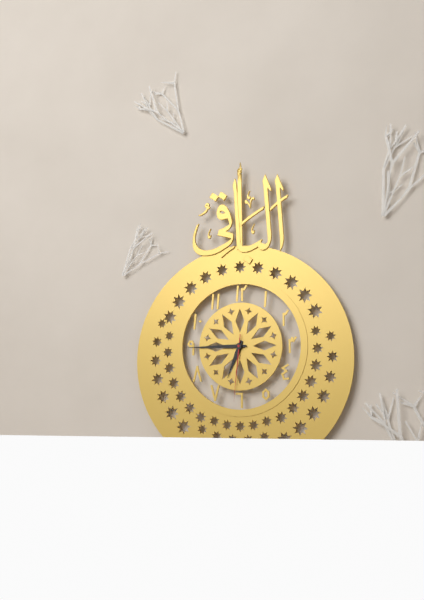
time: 6:45:31
